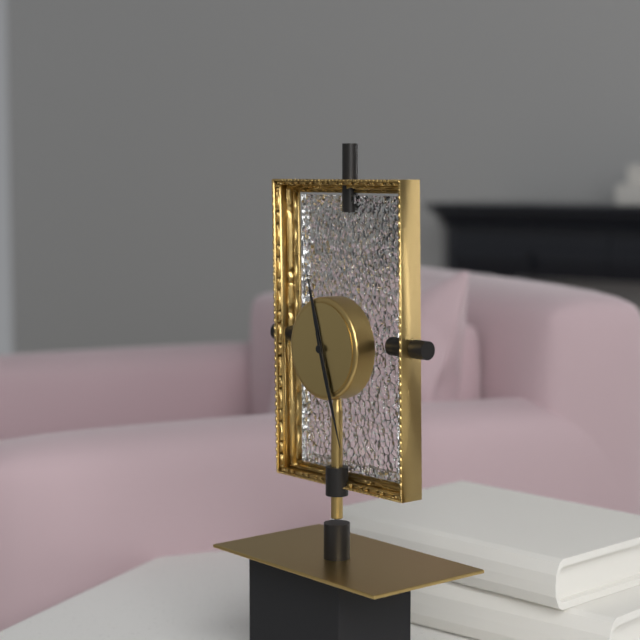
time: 11:27
